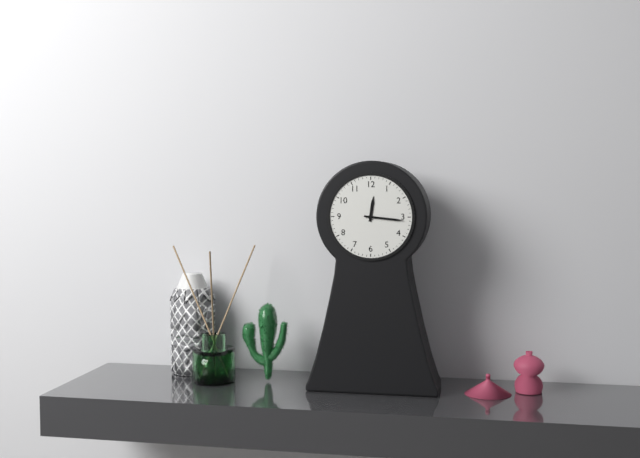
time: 12:16
